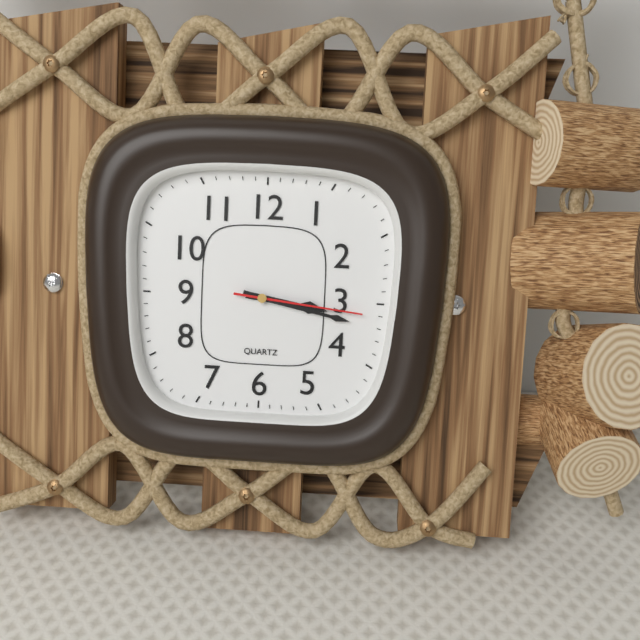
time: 3:17:16
